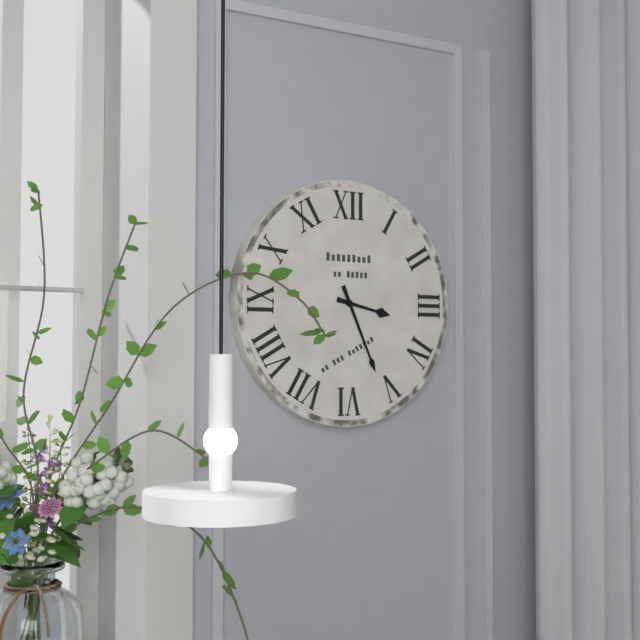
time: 3:26
